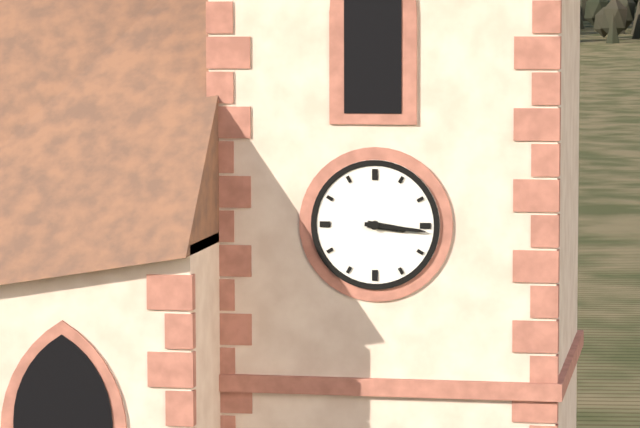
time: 3:16
